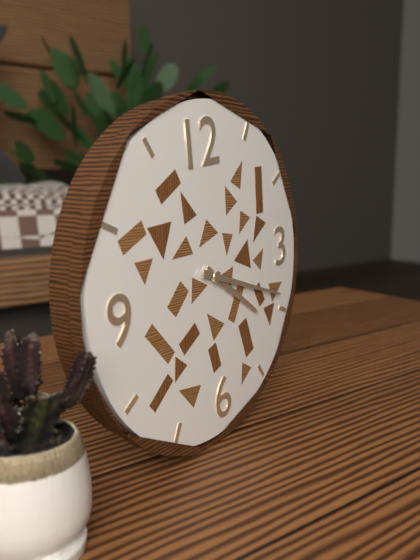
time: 4:19
